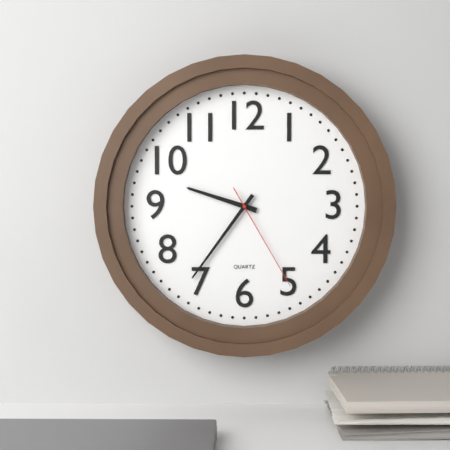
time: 9:36:25
